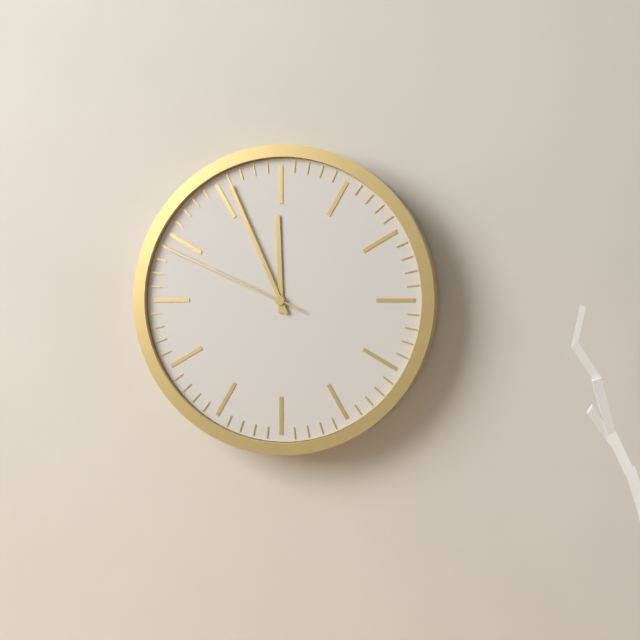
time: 11:56:49
